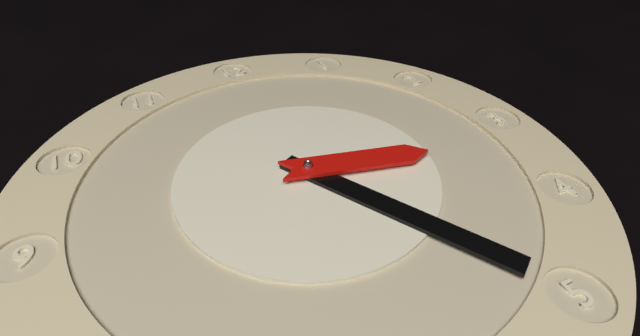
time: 3:25
